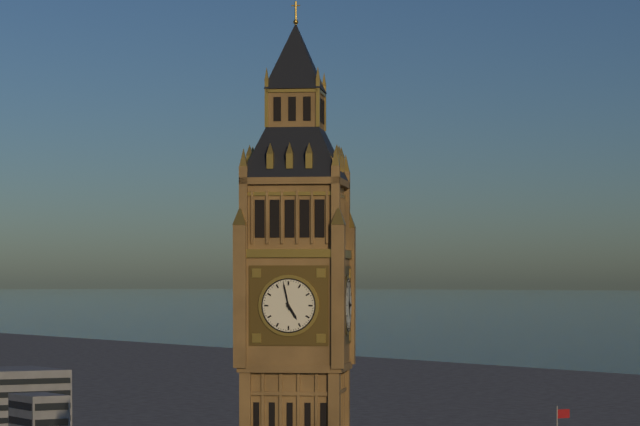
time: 4:58
